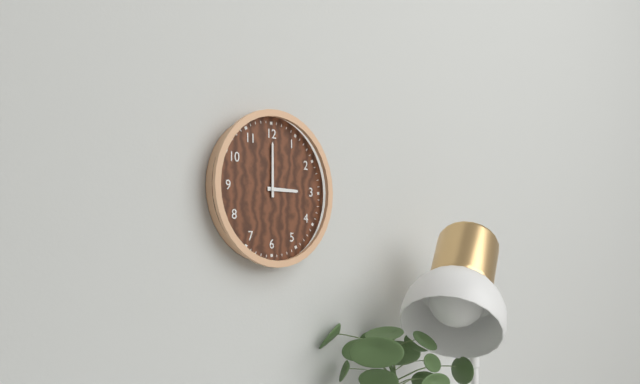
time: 3:00
